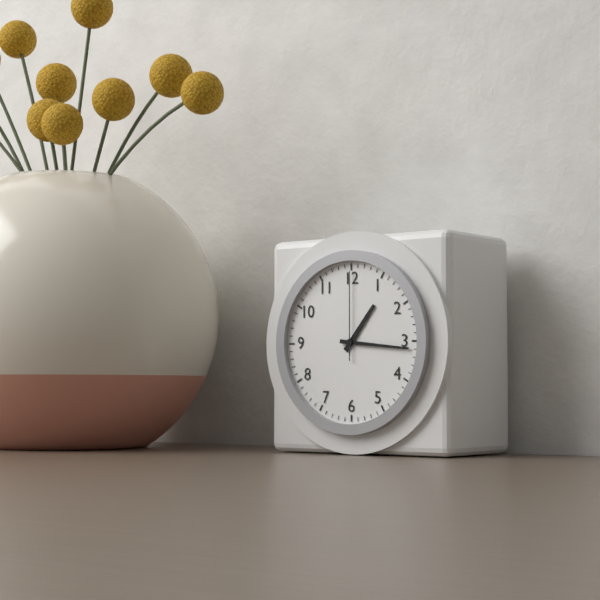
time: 1:16:00
